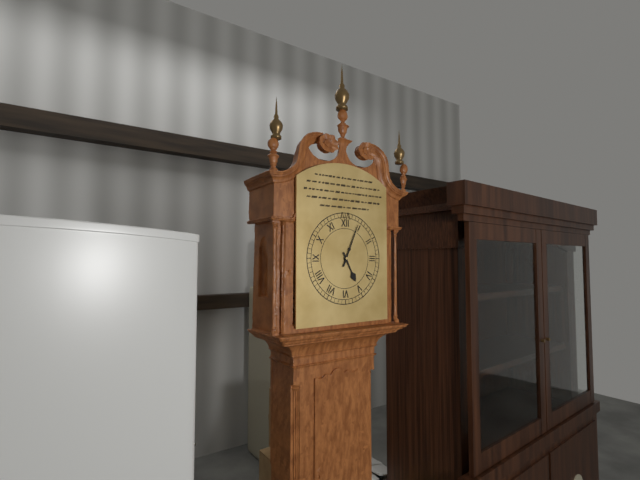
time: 5:04
